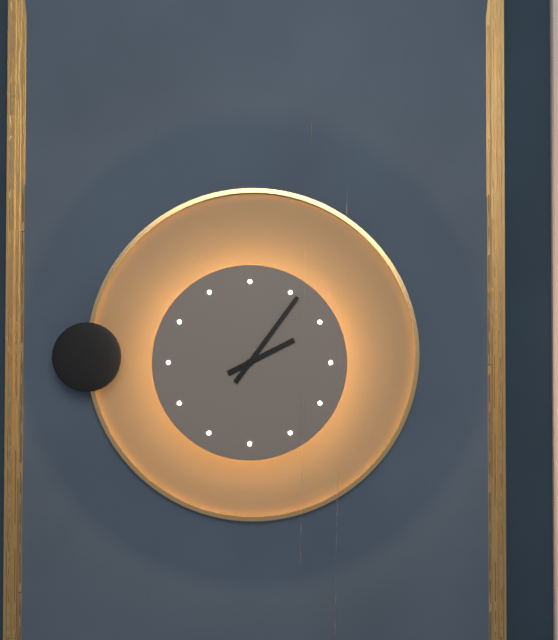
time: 2:06
